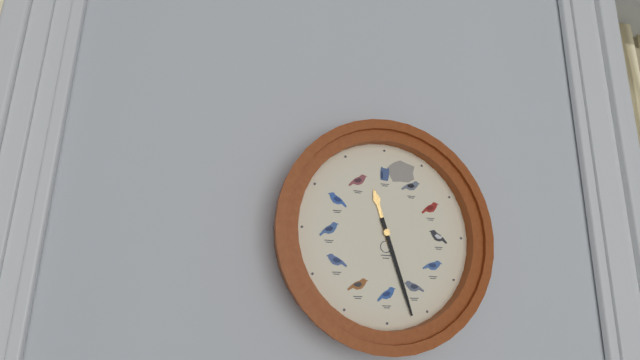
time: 11:27
